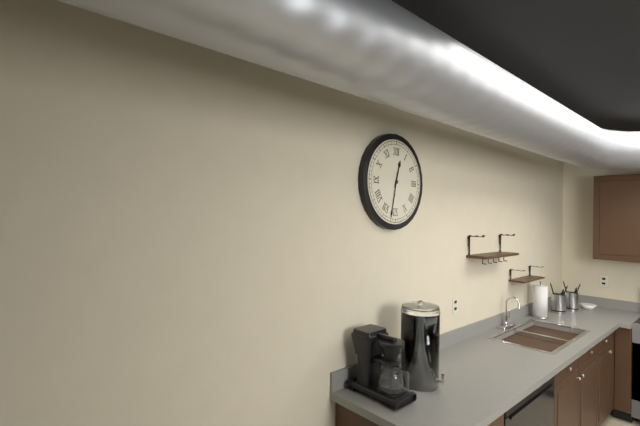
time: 12:32
